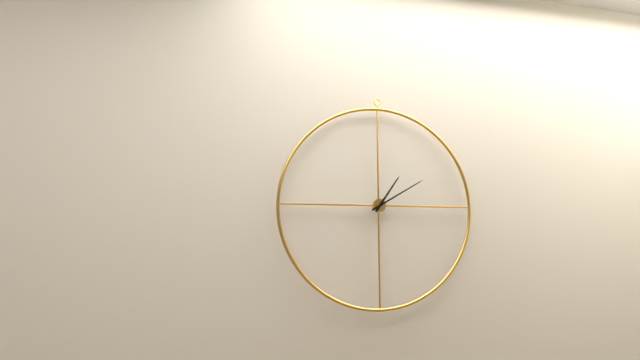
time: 1:10
